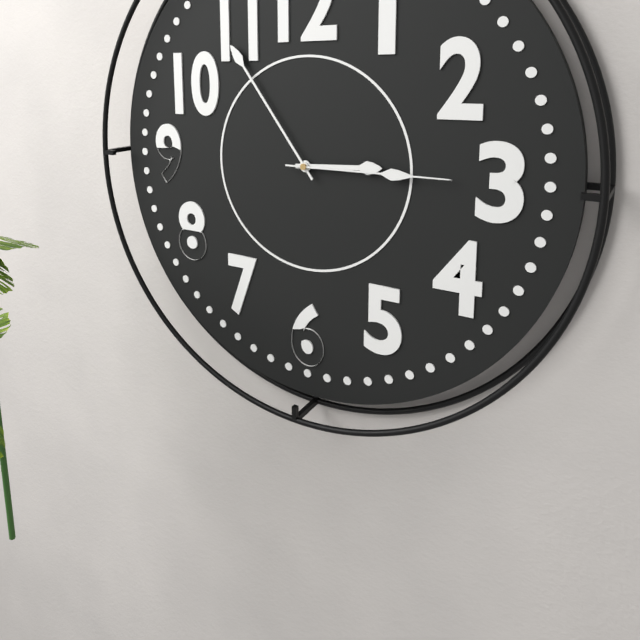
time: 2:54:15
